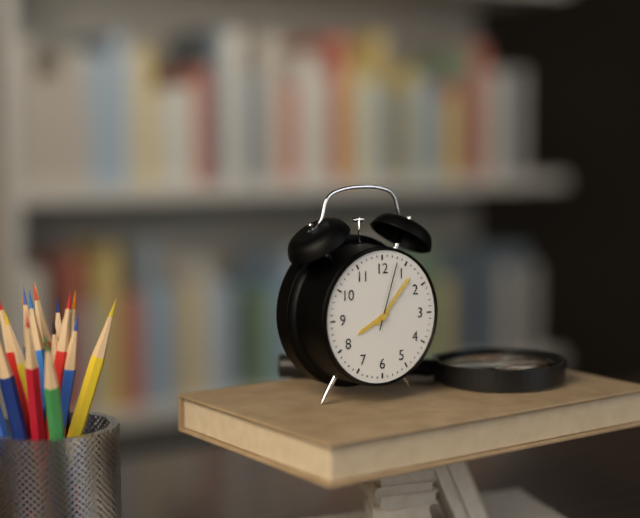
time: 8:07:03
